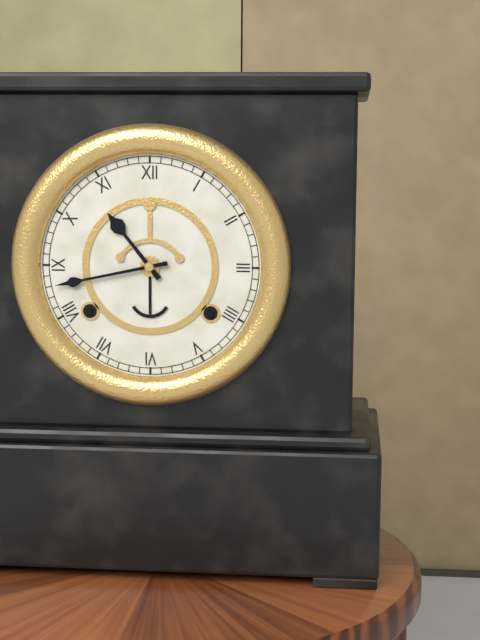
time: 10:43
